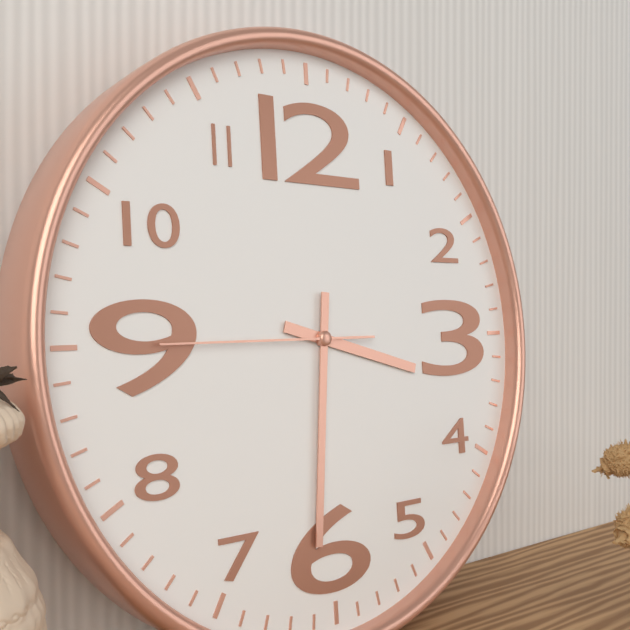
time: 3:31:45
